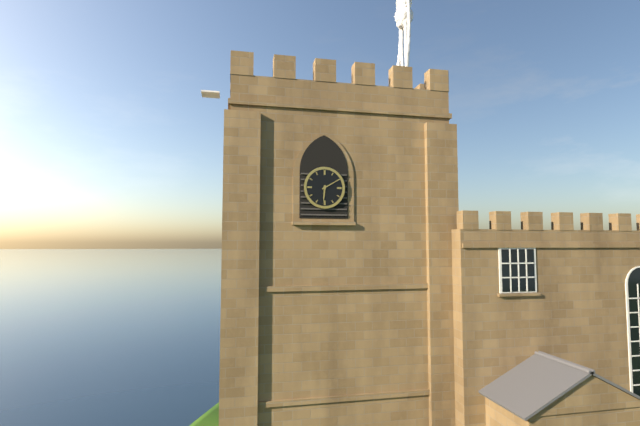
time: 6:10
